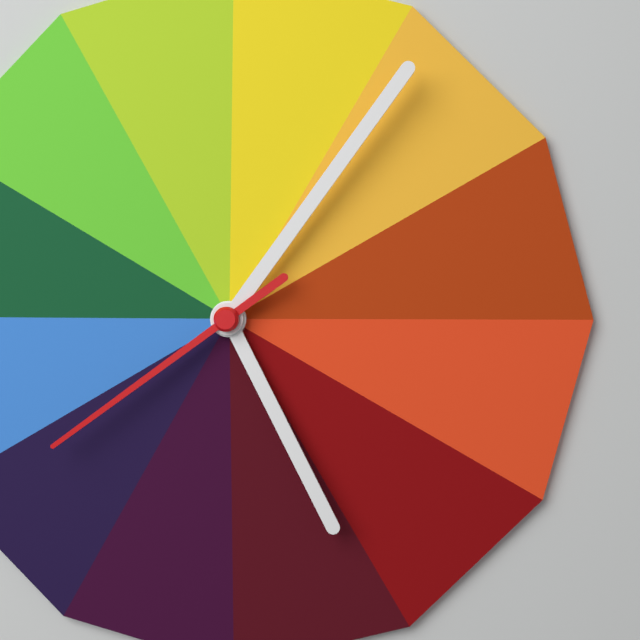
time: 5:06:39
